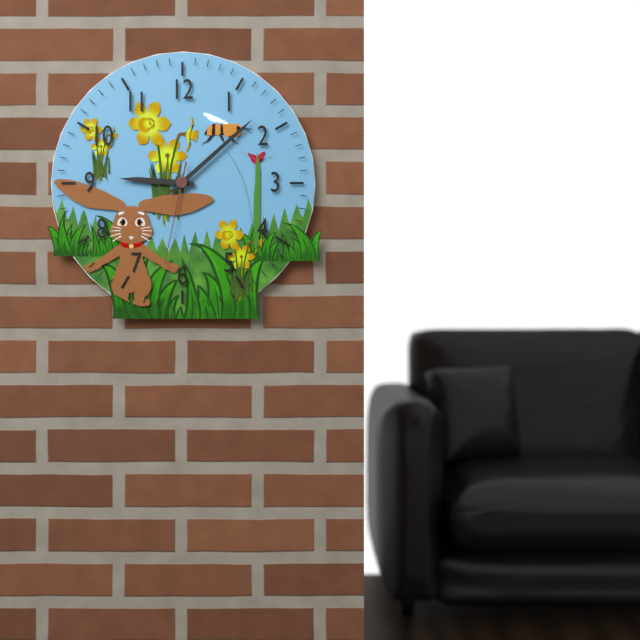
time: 9:08:32
